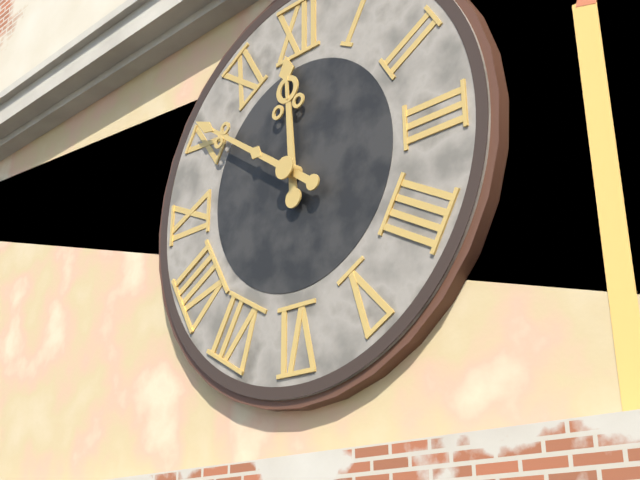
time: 11:51
